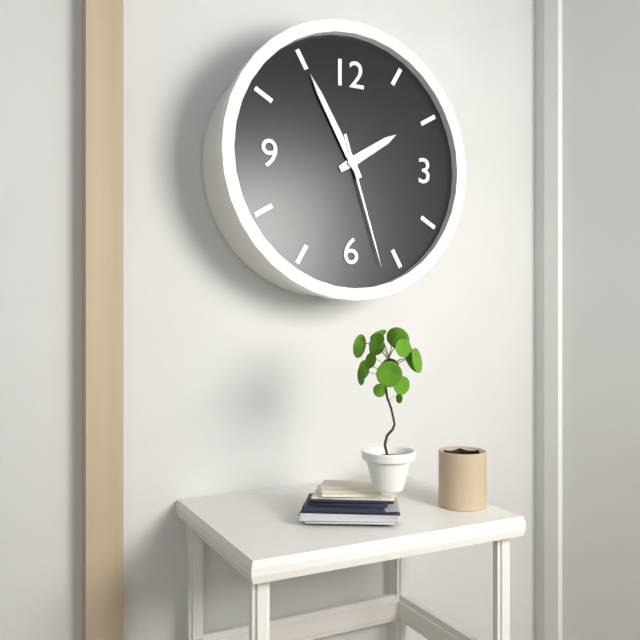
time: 1:55:27
